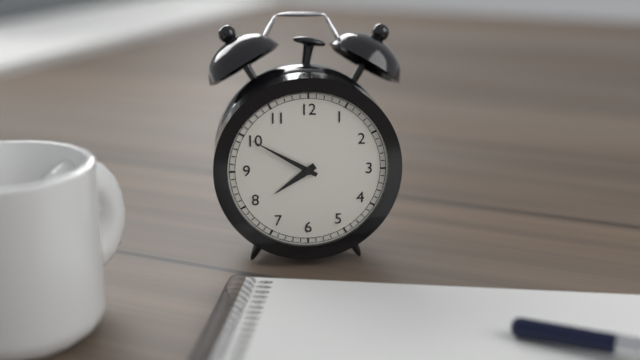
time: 7:50
